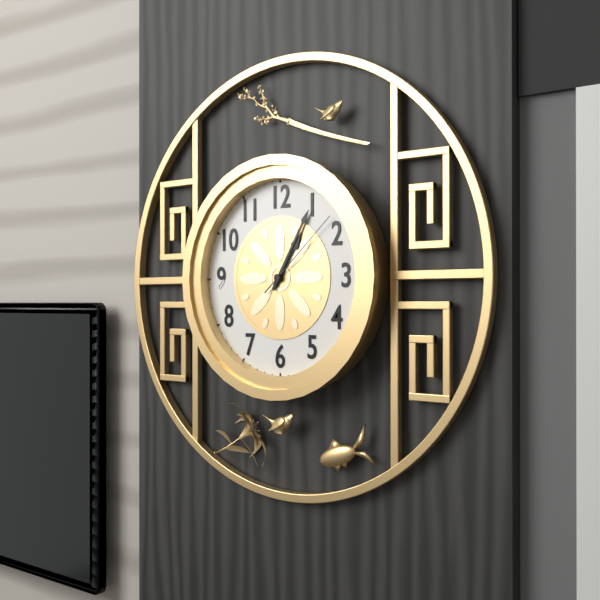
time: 1:05:08
